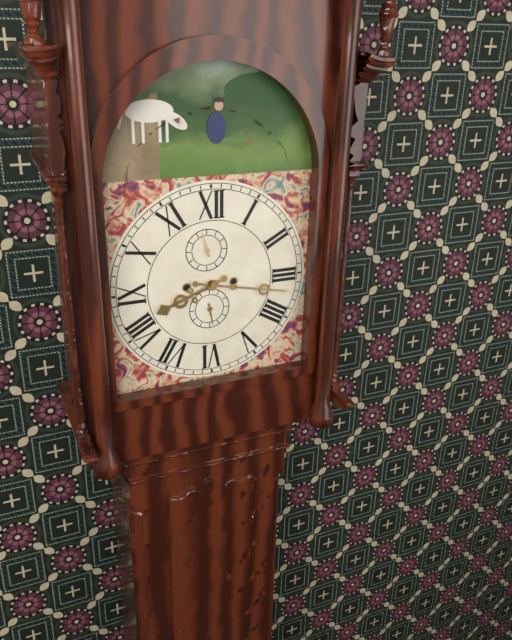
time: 8:17
